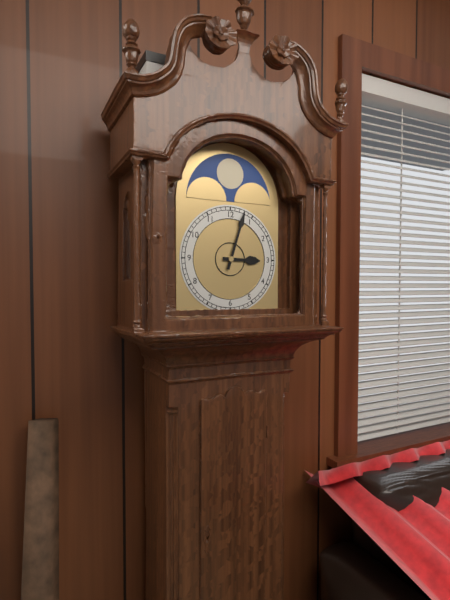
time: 3:03
